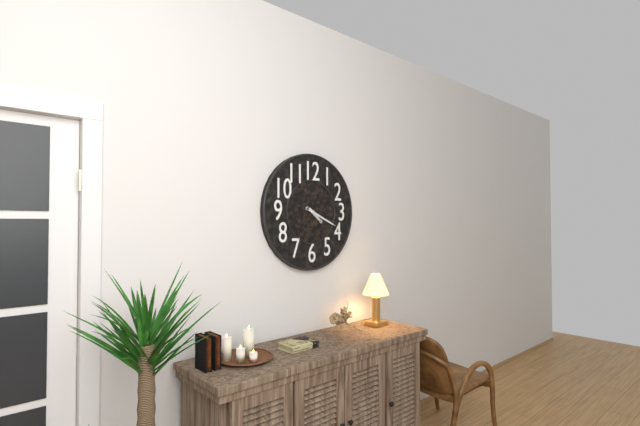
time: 4:19
